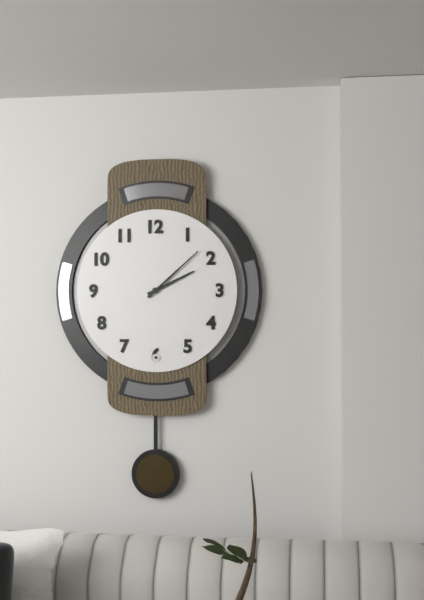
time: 2:08
